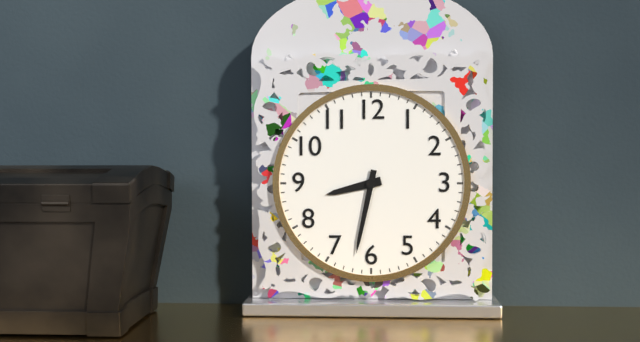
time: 8:32
